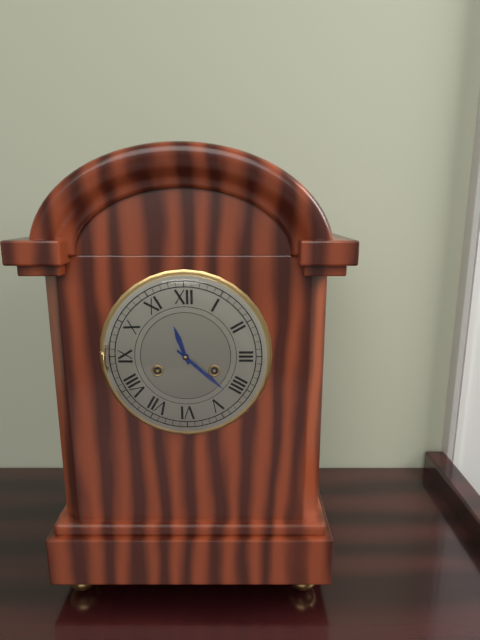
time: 11:22
